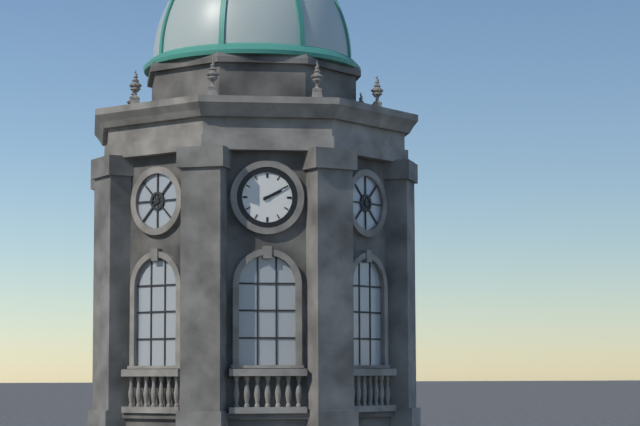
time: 2:10
